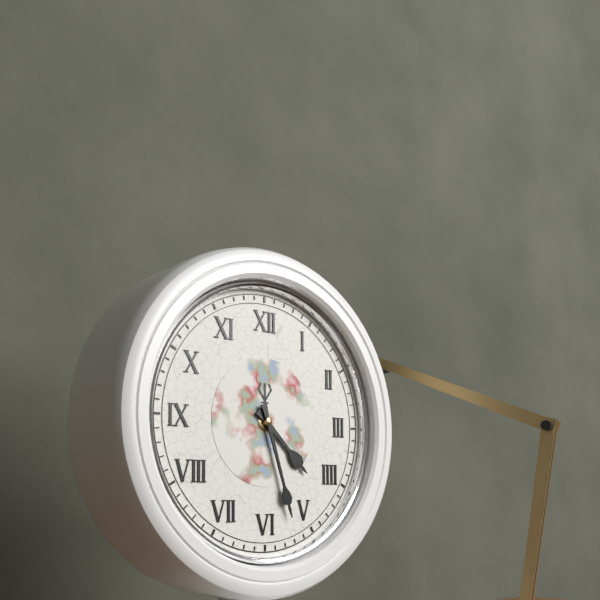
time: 4:27
